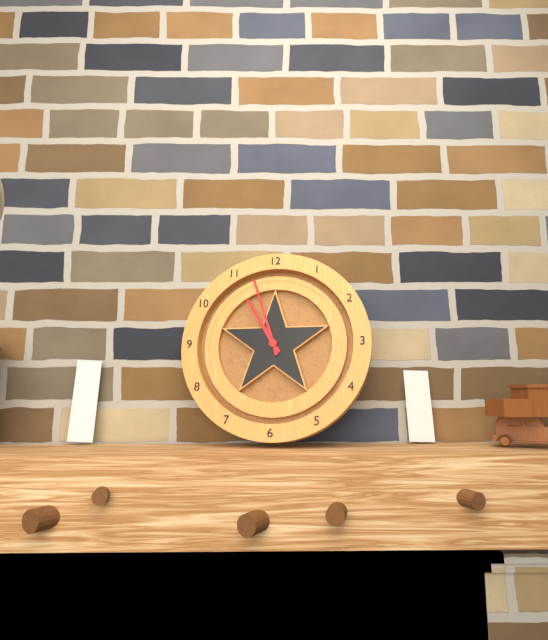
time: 10:57
